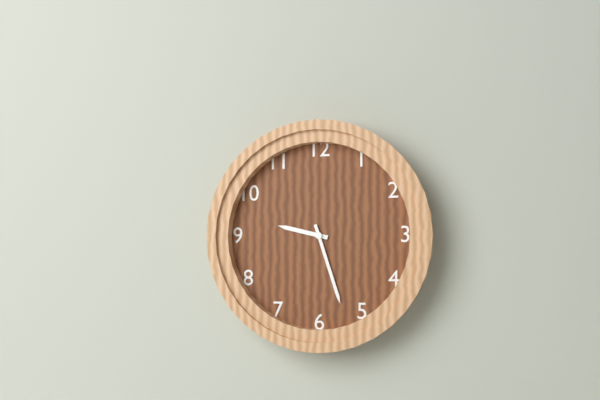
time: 9:27
